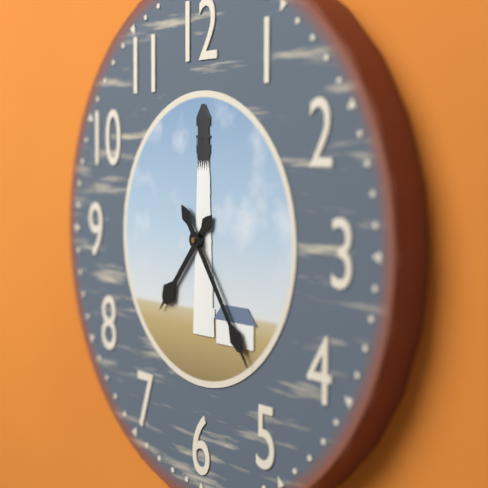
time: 7:24
